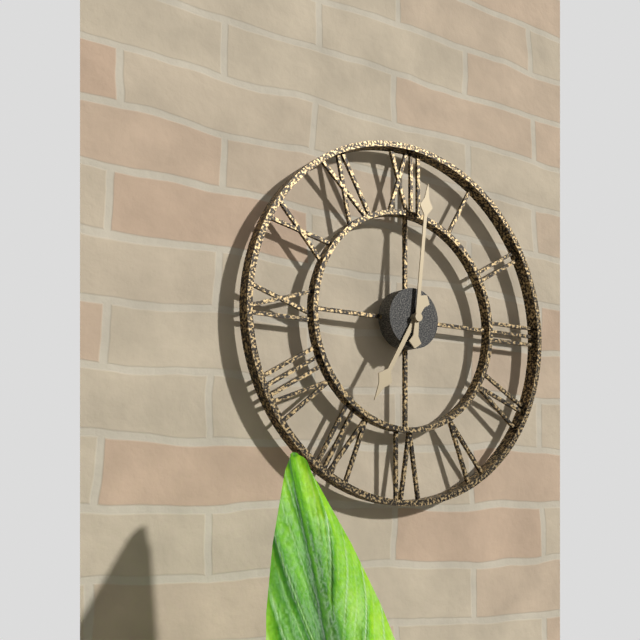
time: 7:01
